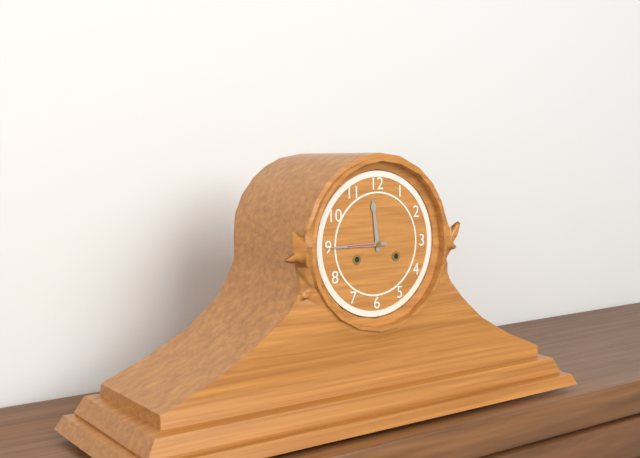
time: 11:45
